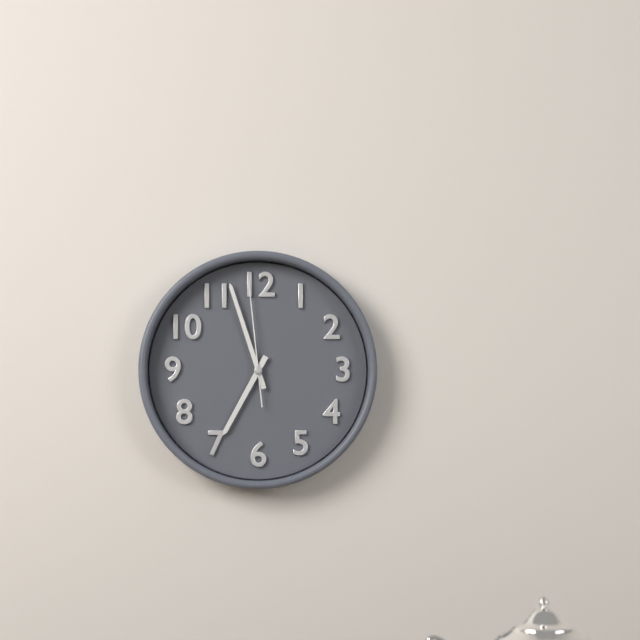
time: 6:57:59
